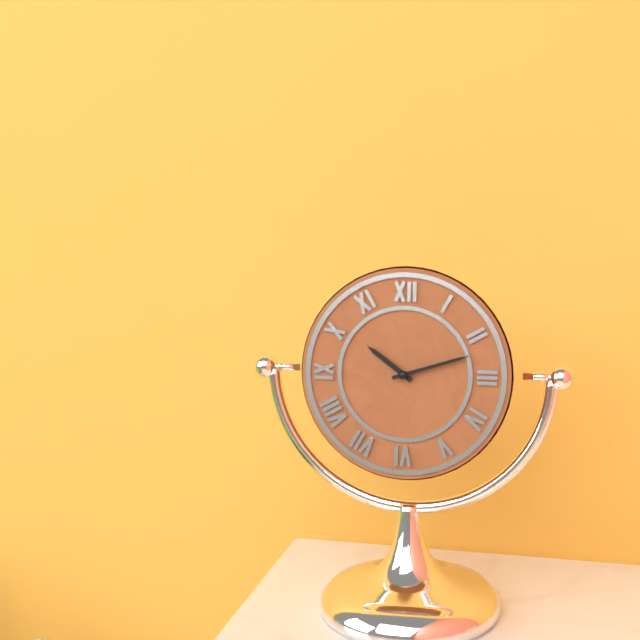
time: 10:12
